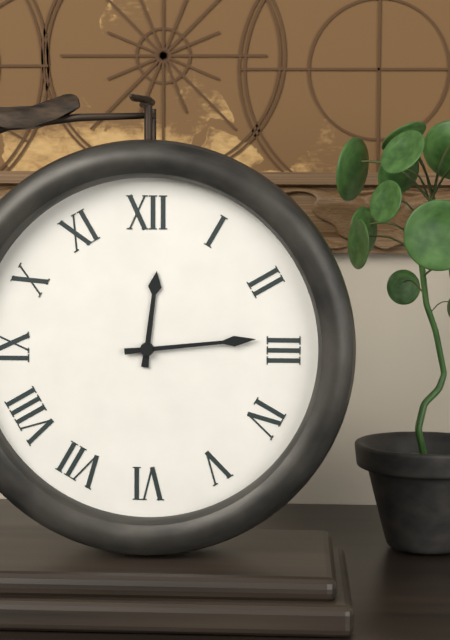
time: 12:14
